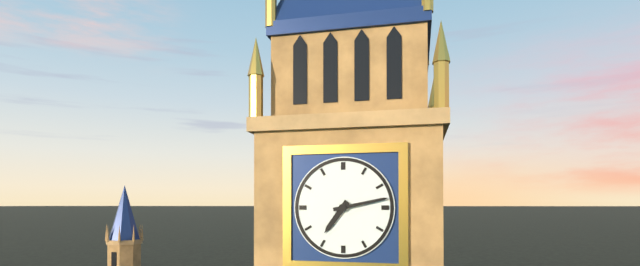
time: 7:13
